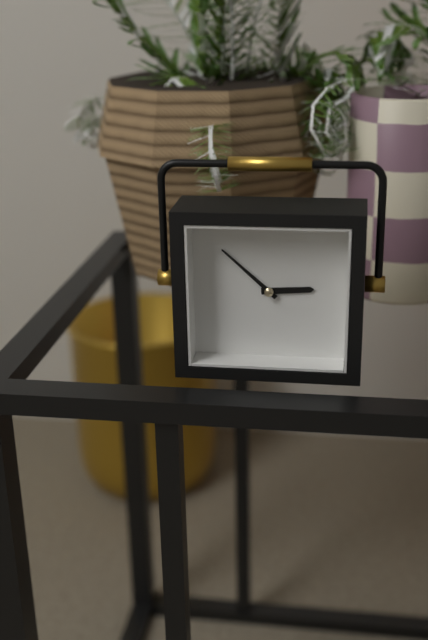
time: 2:52
